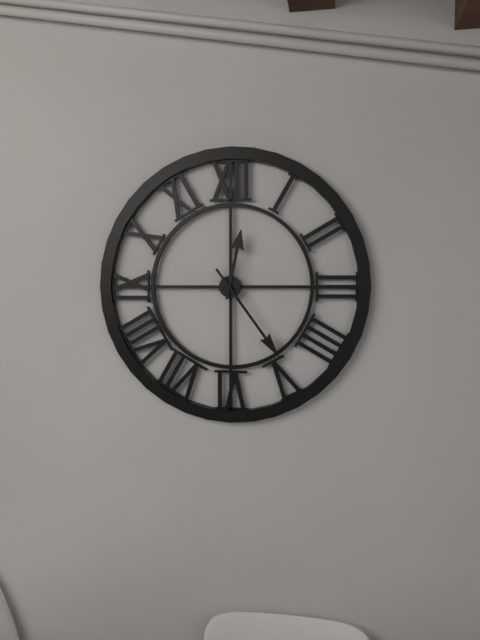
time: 12:24
